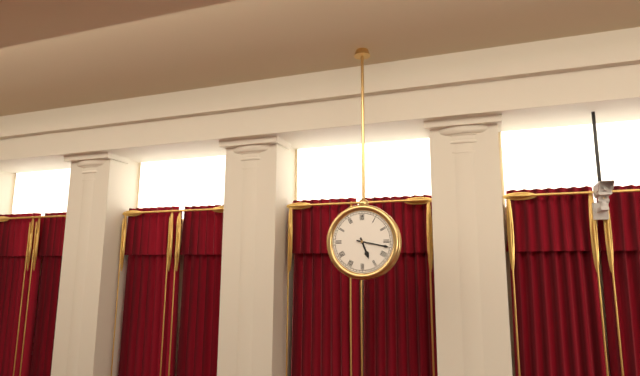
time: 5:17
